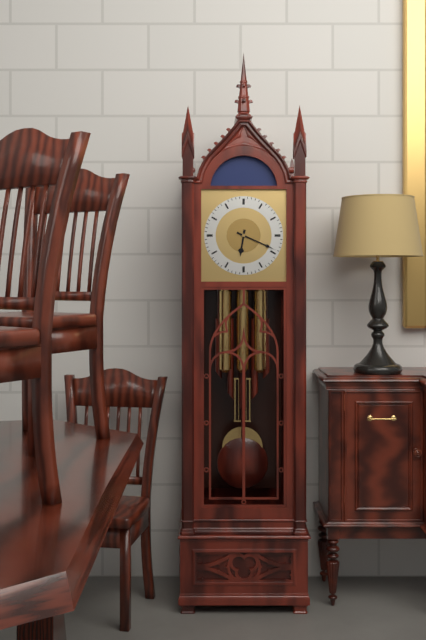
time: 6:19
